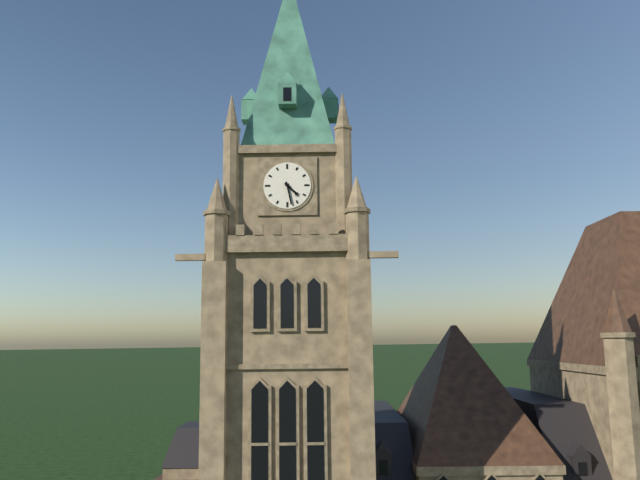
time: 4:28
